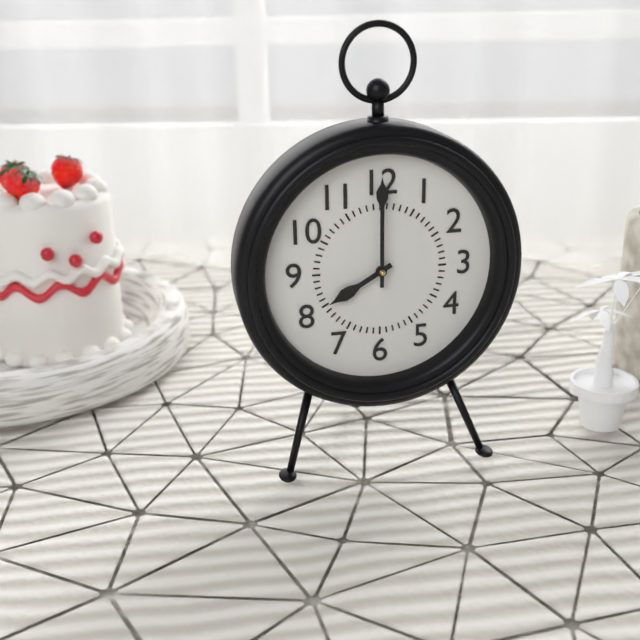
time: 8:00
